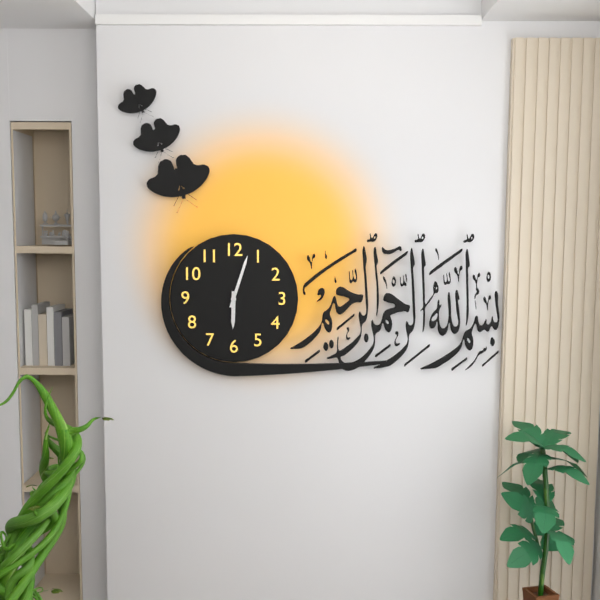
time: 6:03
